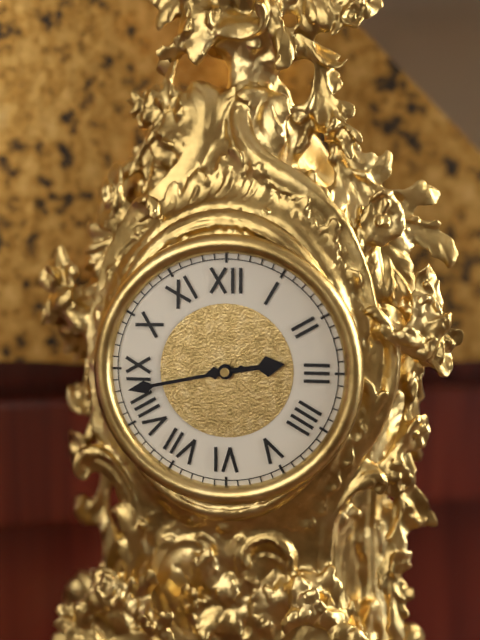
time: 2:43
